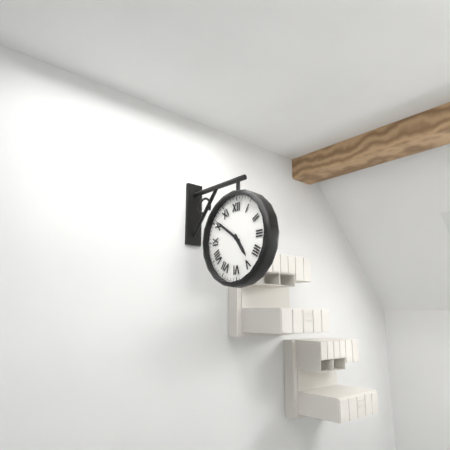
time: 4:51
